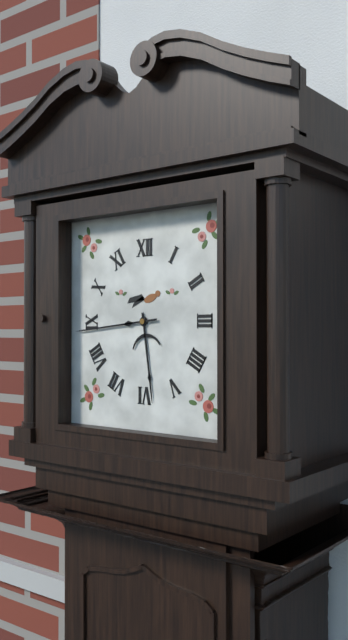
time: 5:44
